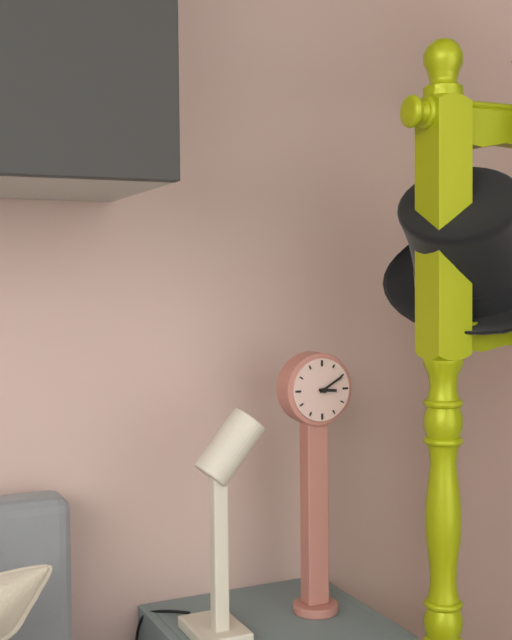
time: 3:10
